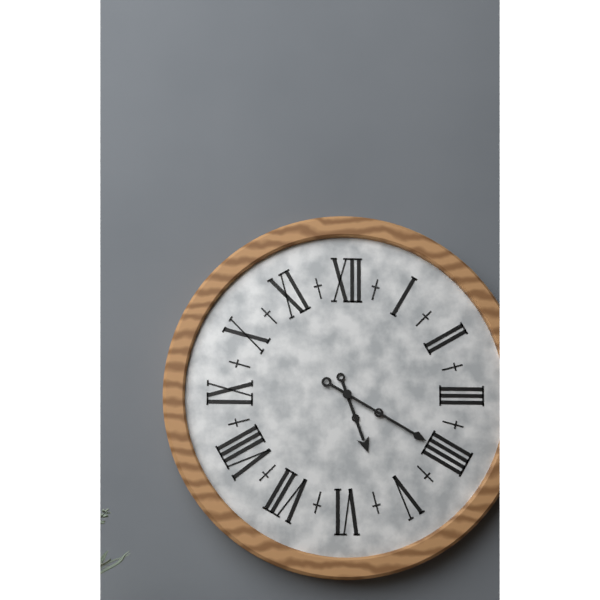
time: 5:20
